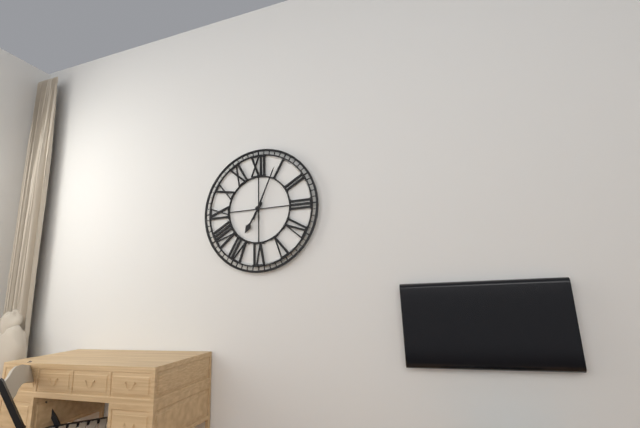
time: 7:04
